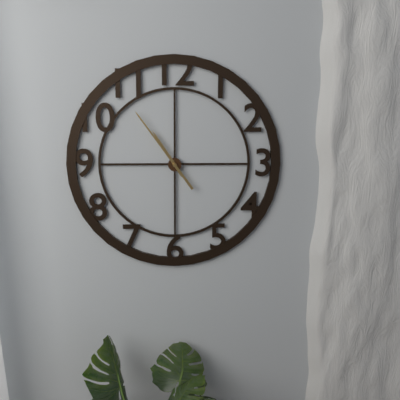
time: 10:54
